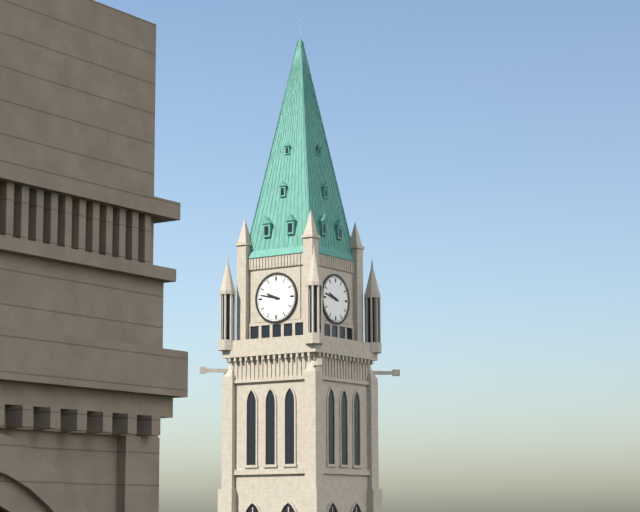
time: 9:47
